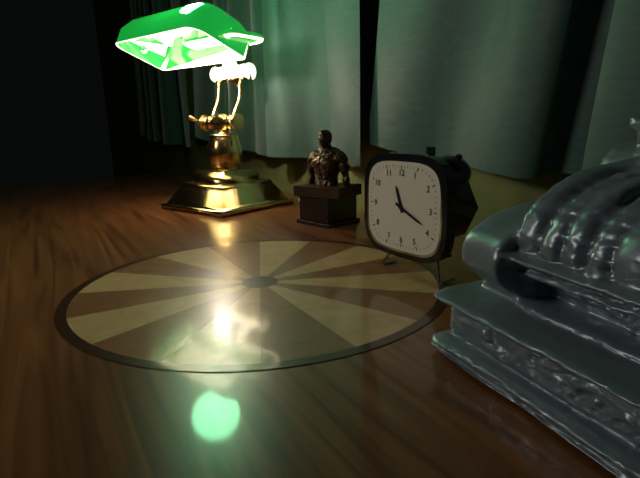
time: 11:19
